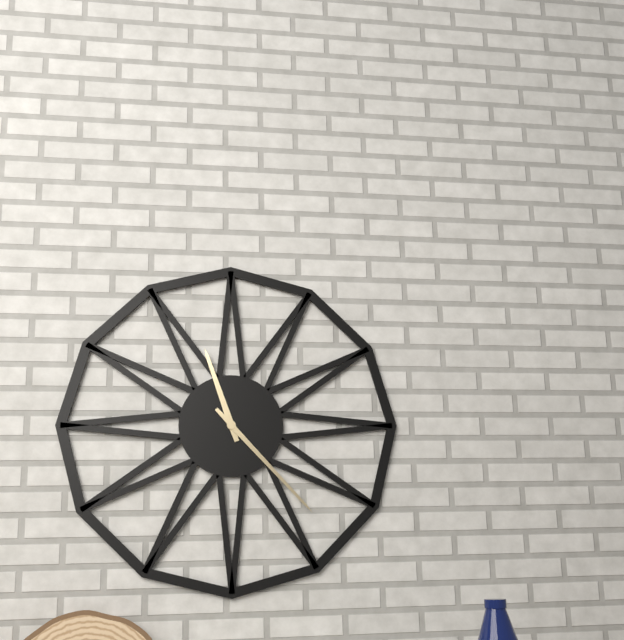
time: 11:23
